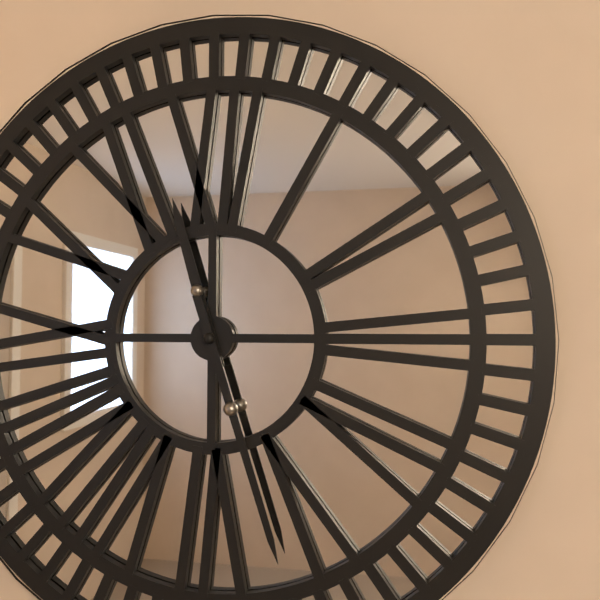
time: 11:27
